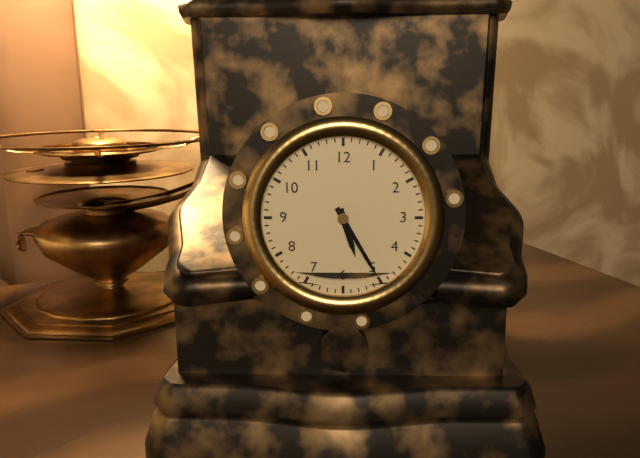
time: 5:25
